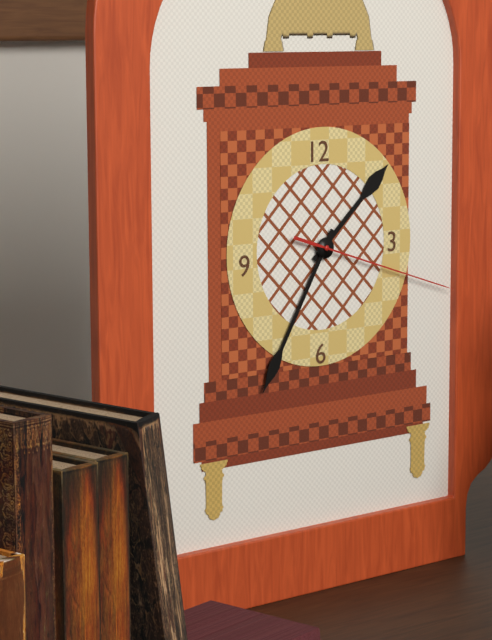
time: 1:35:18
